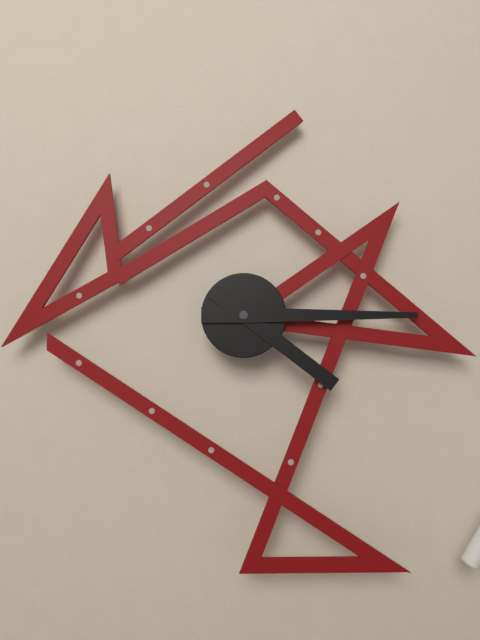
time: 4:15
